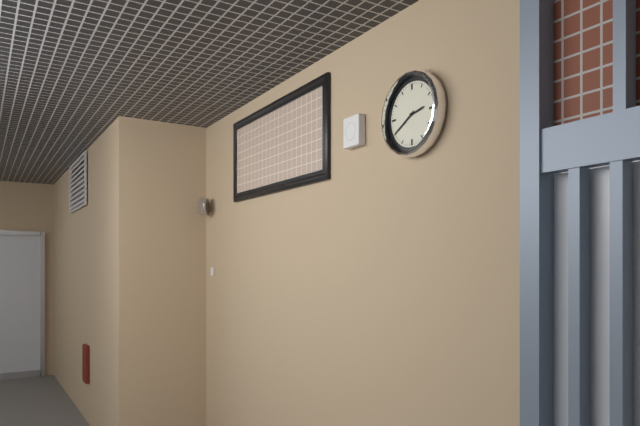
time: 2:40
